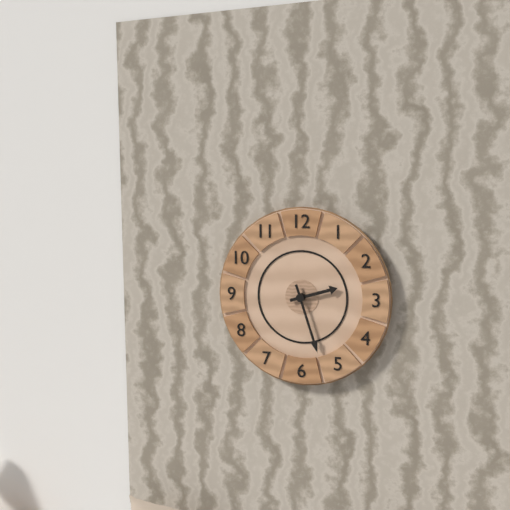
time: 2:27
